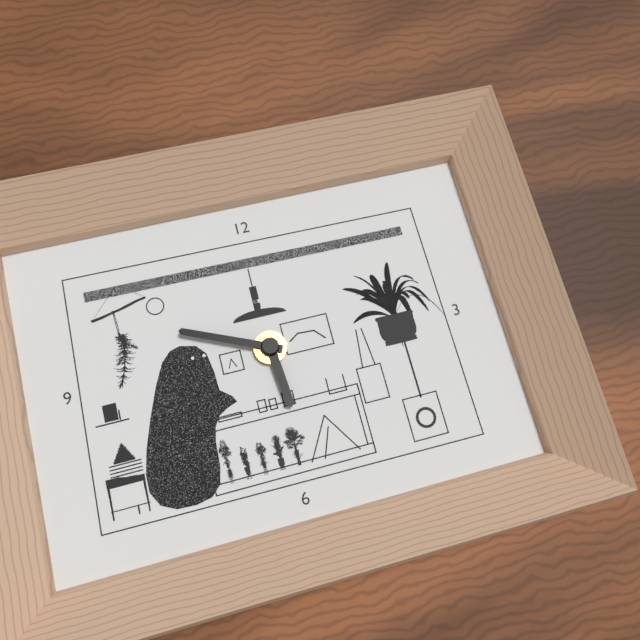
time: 5:49
